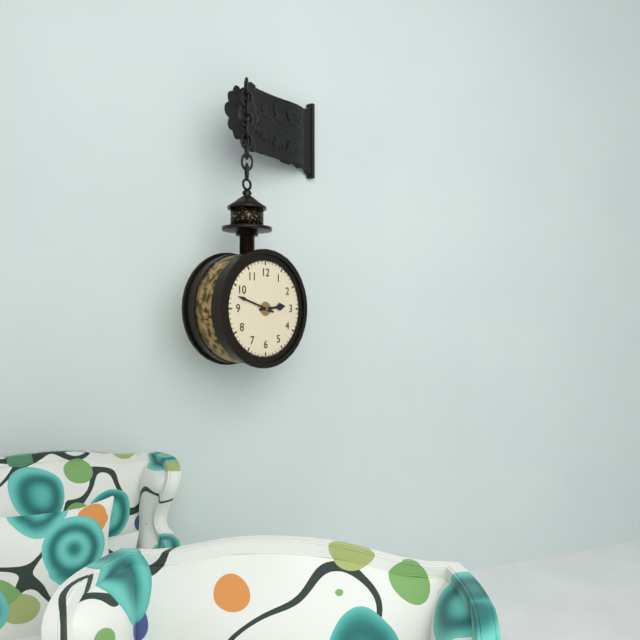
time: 2:48
